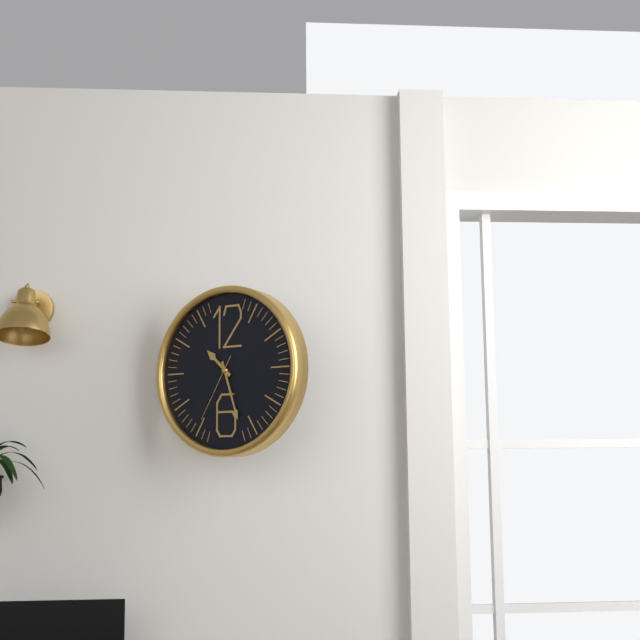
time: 10:27:35
